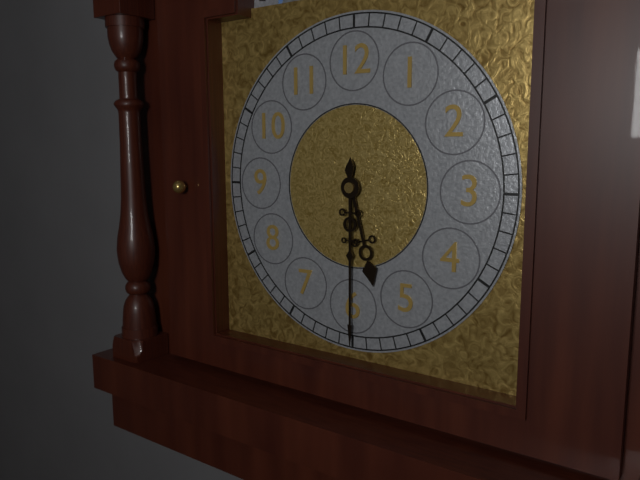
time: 5:30
